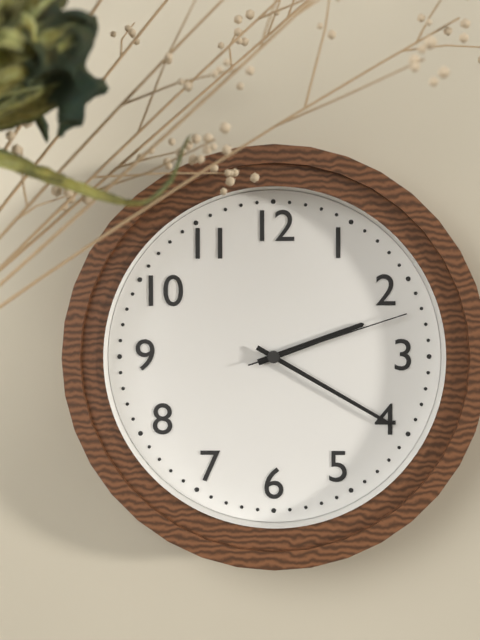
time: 2:20:12
